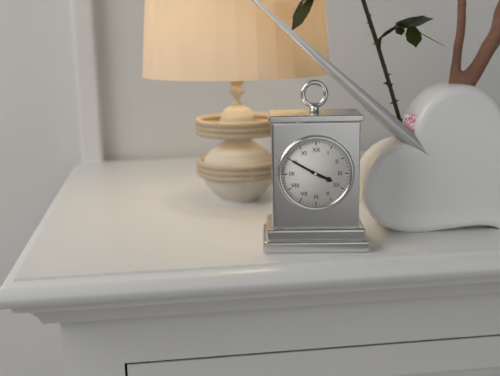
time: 3:50
